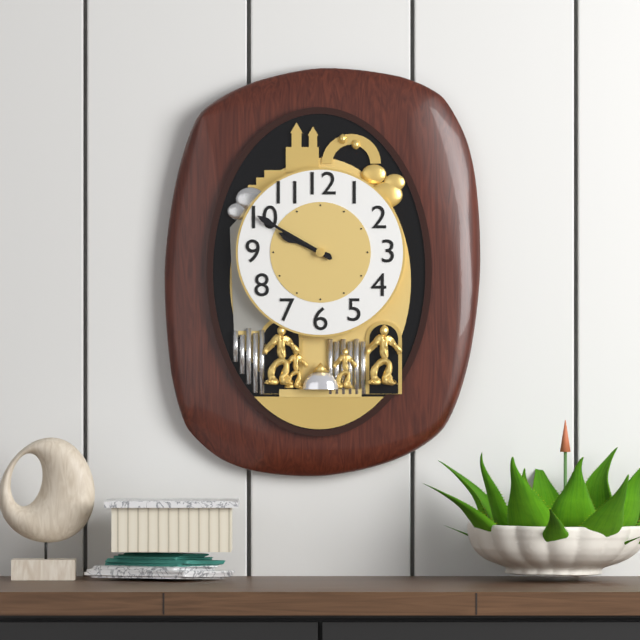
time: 9:50
